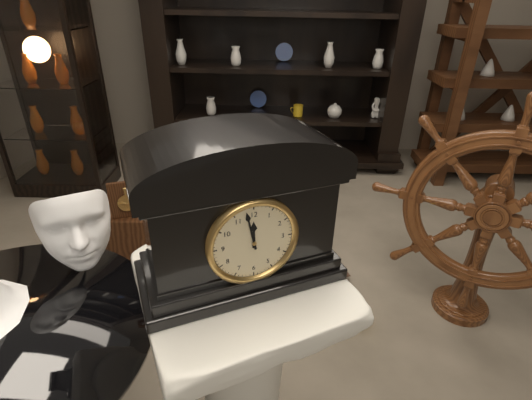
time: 11:58
